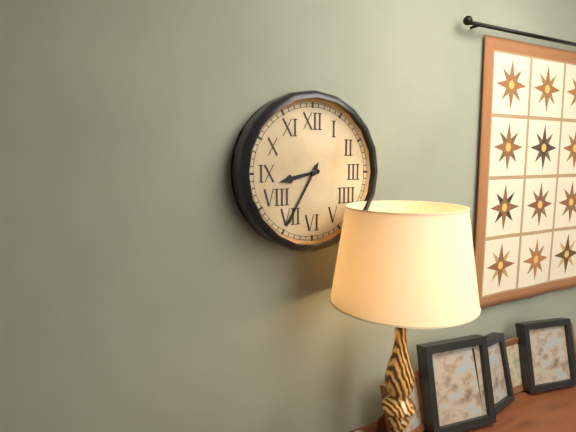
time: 8:35
